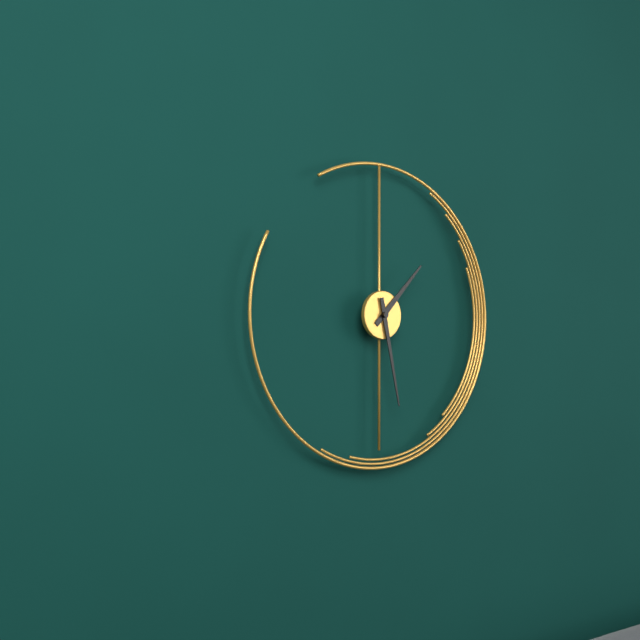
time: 1:28
